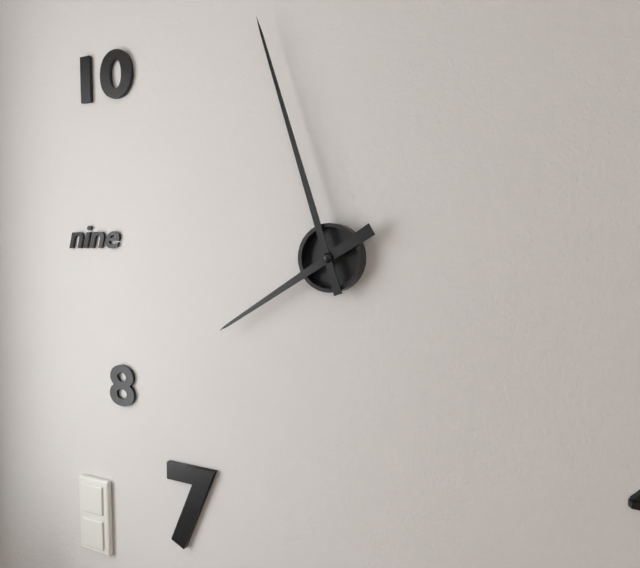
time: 7:57
